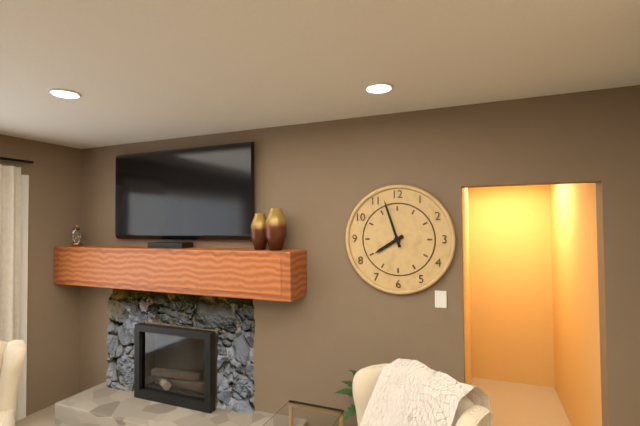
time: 7:57
